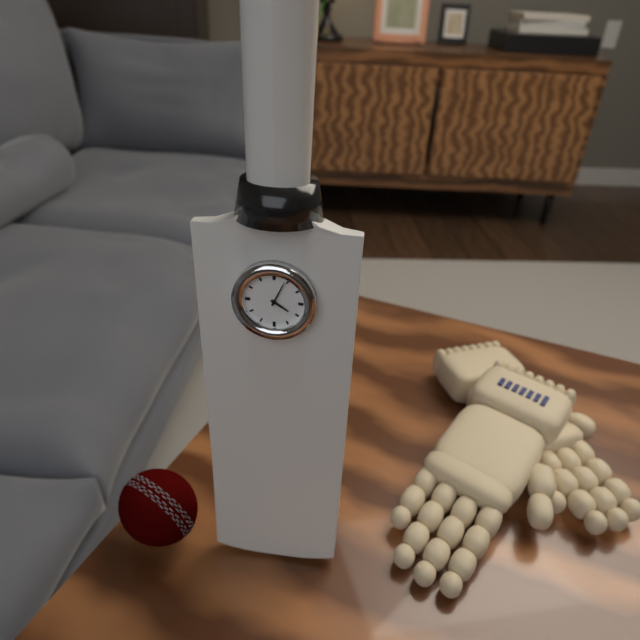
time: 4:04
